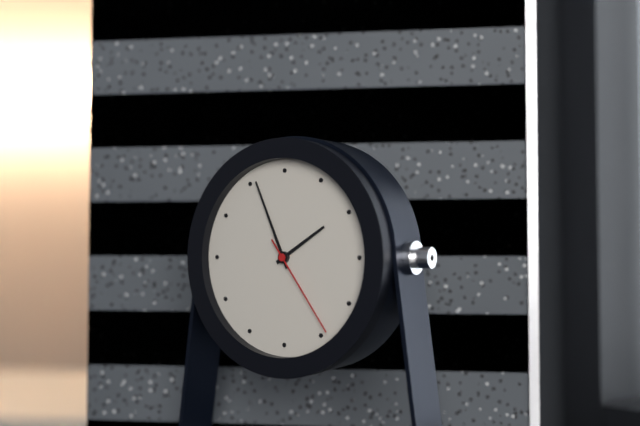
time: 1:56:24
